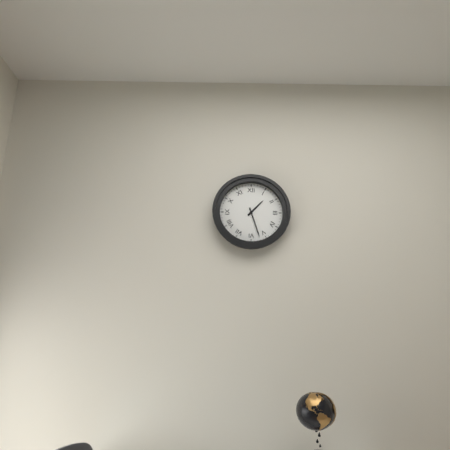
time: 1:27
